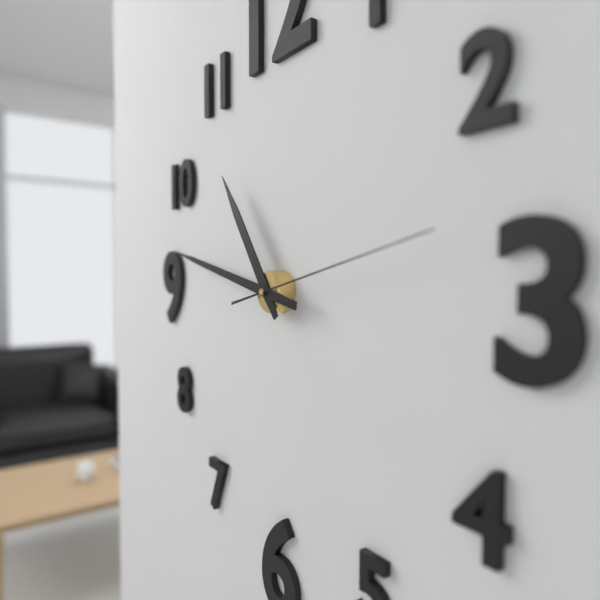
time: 10:47:13
